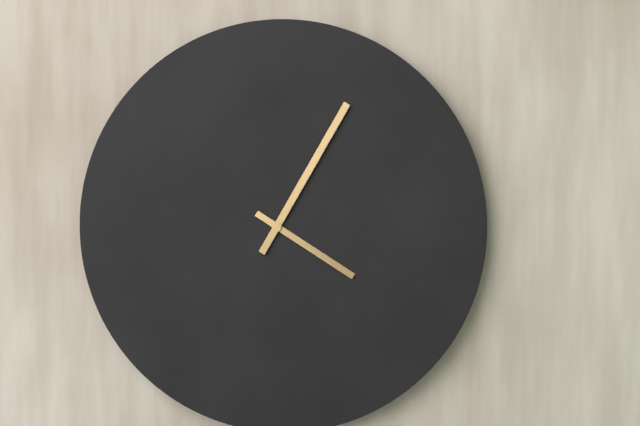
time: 4:05
